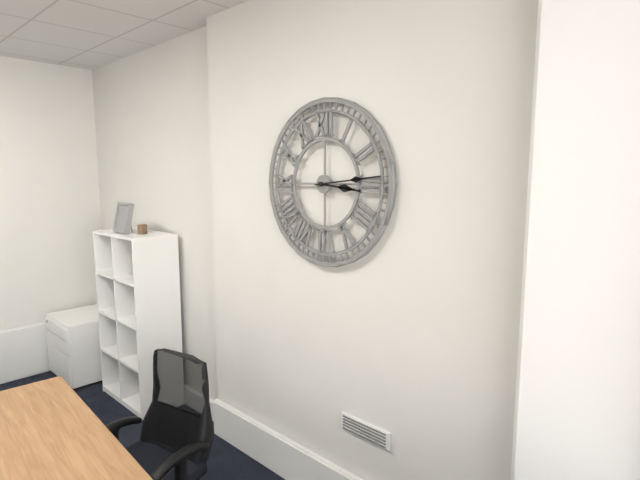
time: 3:14
